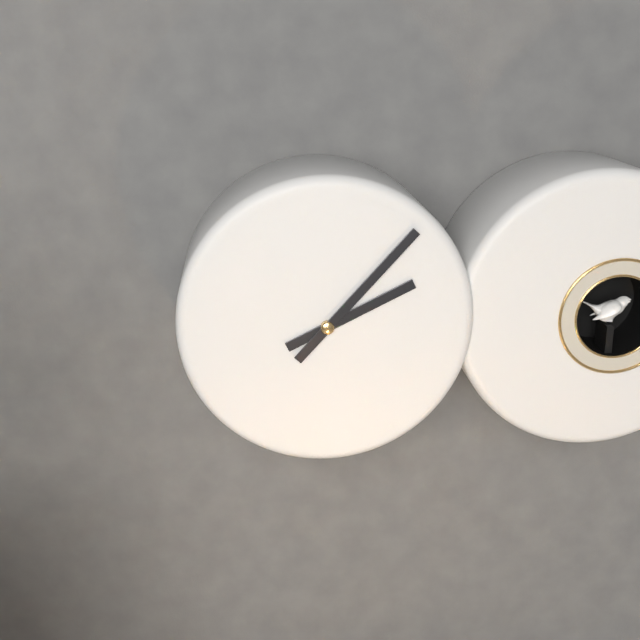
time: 2:07
